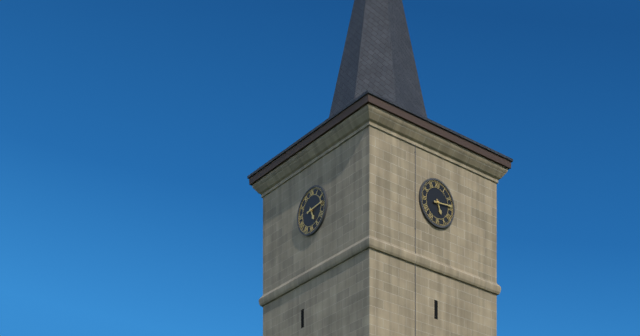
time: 5:14
